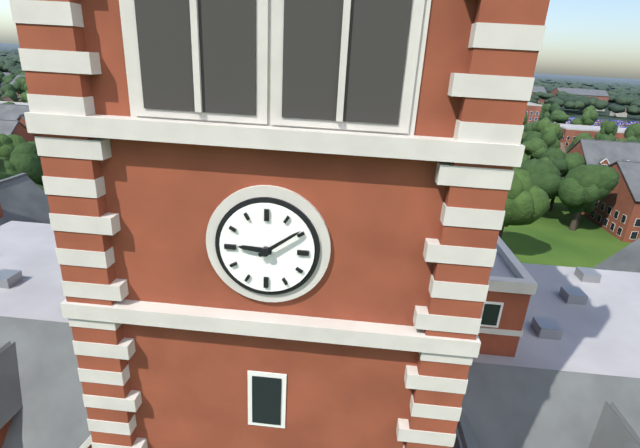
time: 9:09
